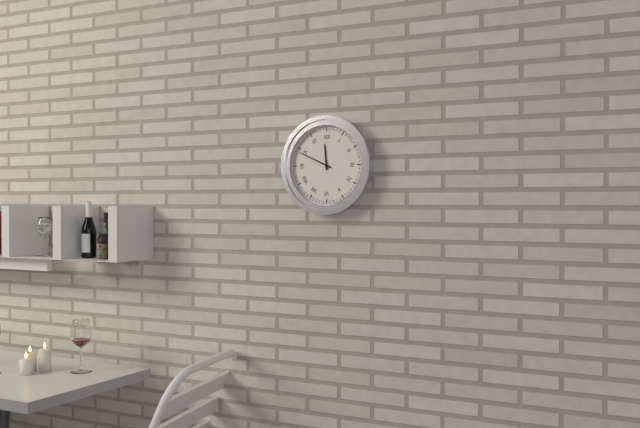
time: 11:49
